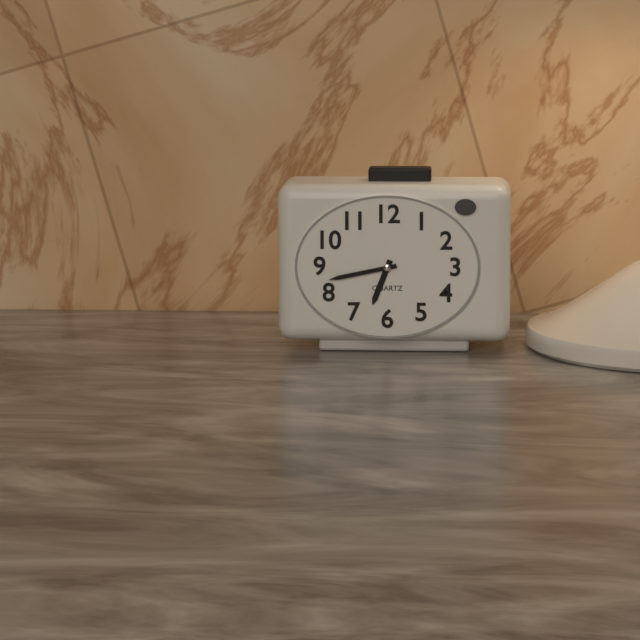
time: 6:43
